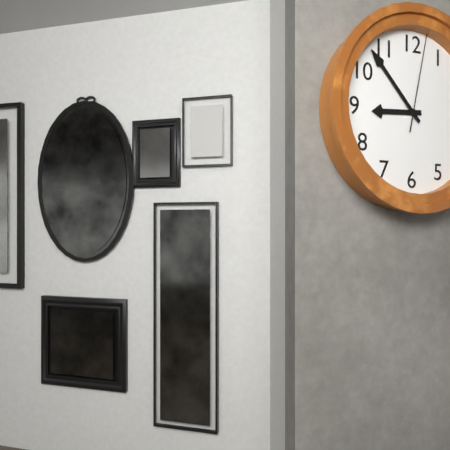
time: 8:53:02
